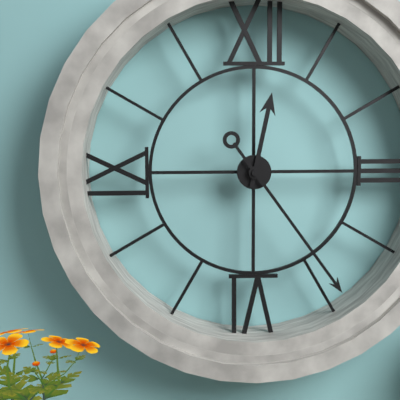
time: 12:24
